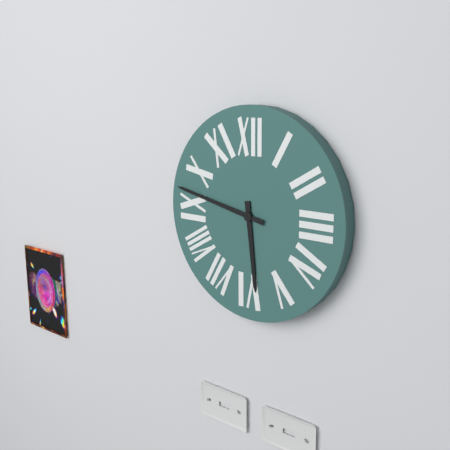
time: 5:47
